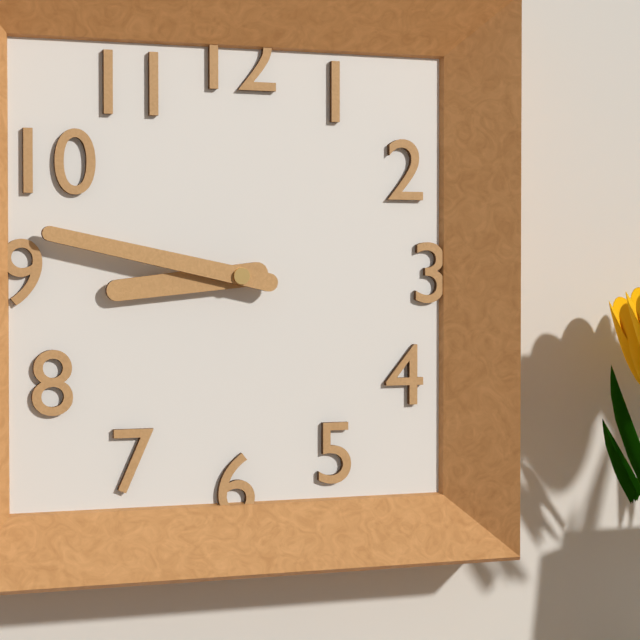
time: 8:47
